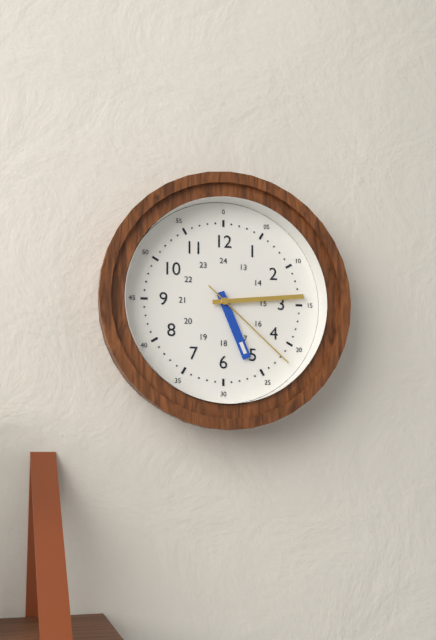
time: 5:14:22
